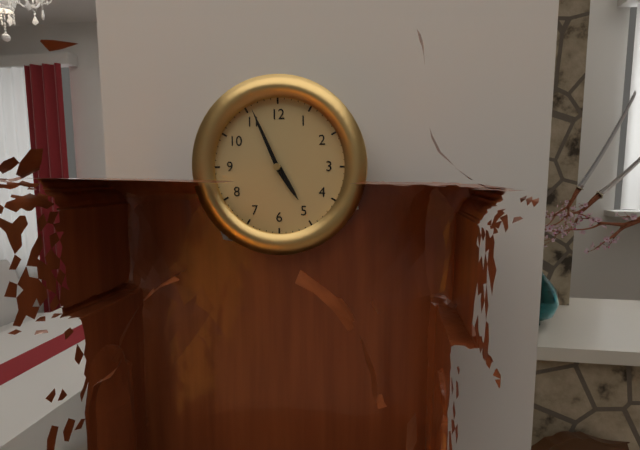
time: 4:56
